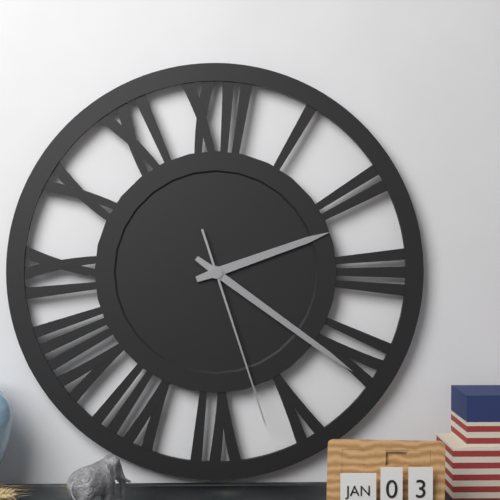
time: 2:21:27
